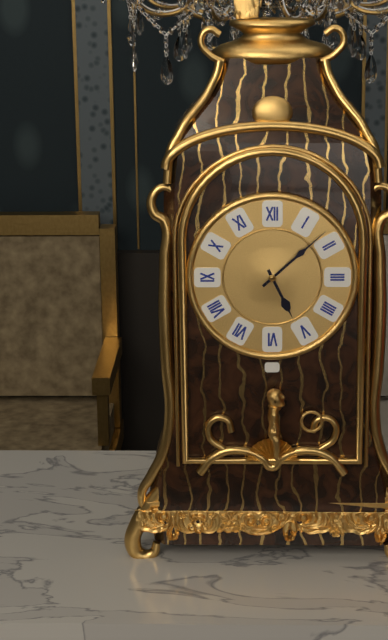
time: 5:08
